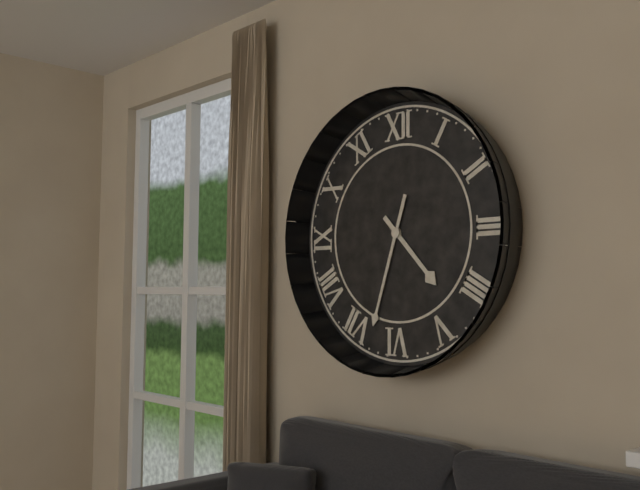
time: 4:33
